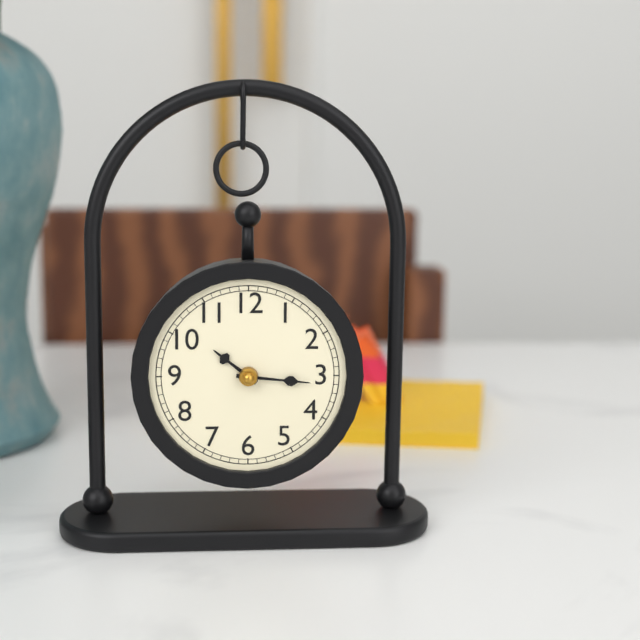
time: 10:16
